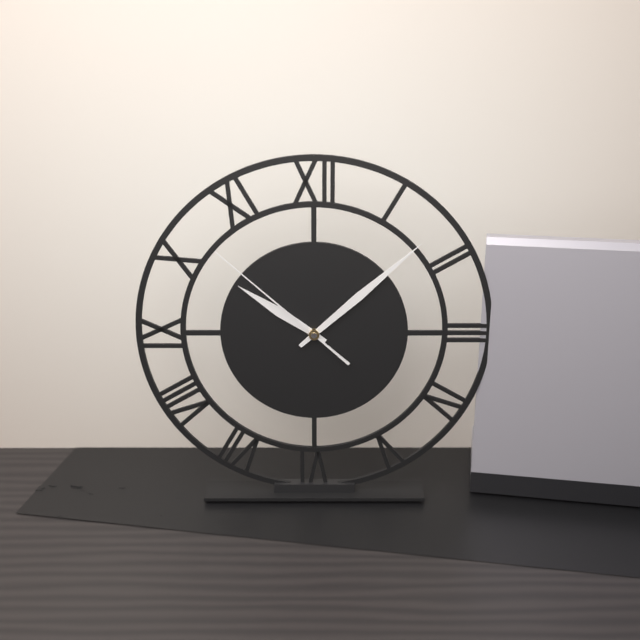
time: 10:08:52
